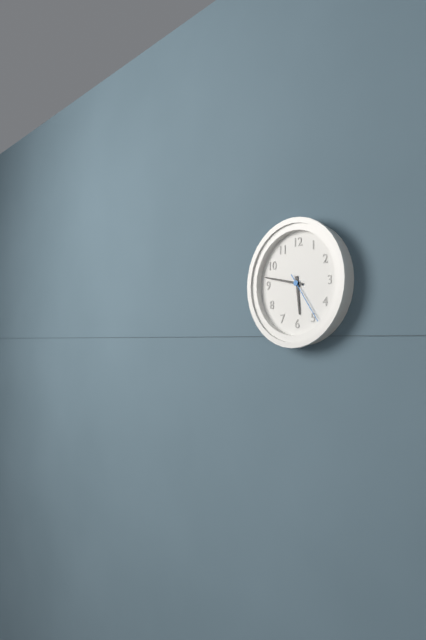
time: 5:47:24
